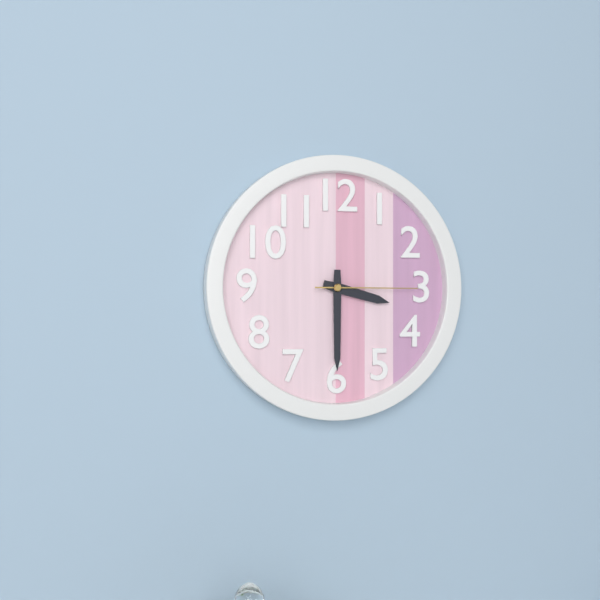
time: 3:30:15
